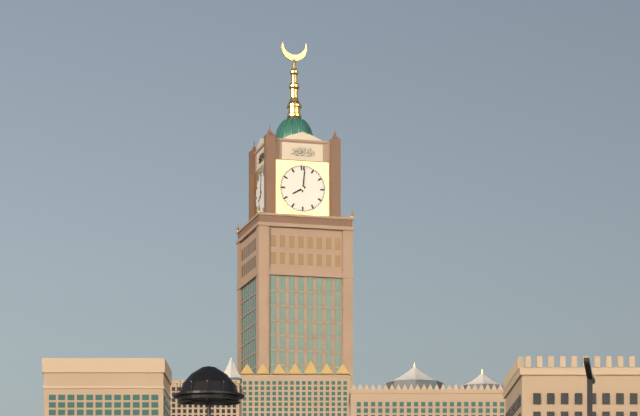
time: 8:01
